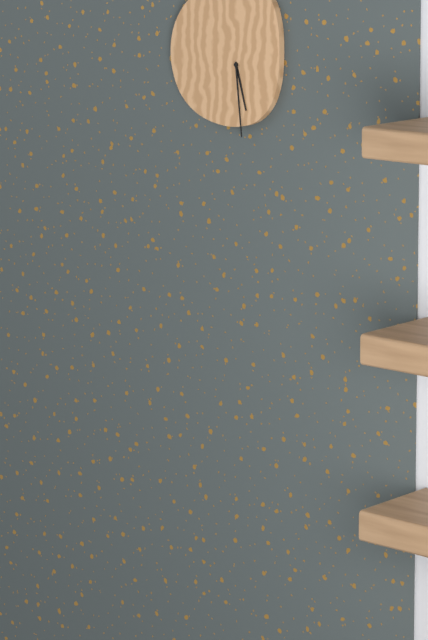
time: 5:29
